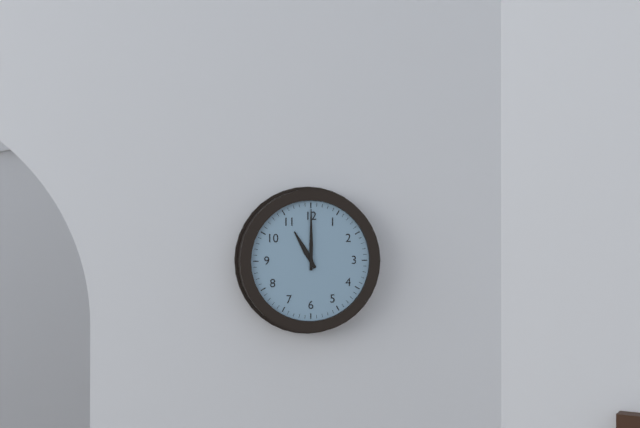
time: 11:00
